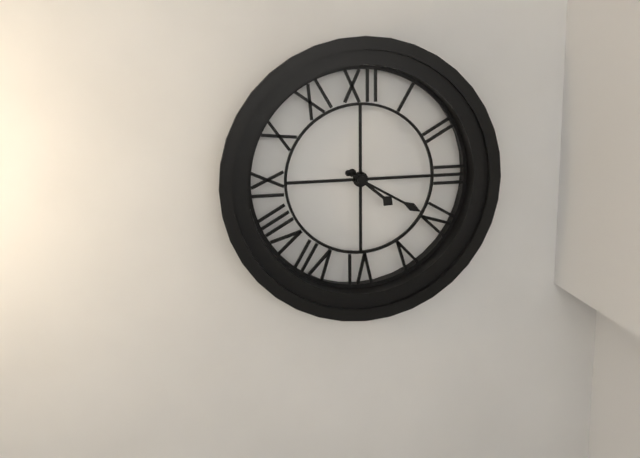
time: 4:20
